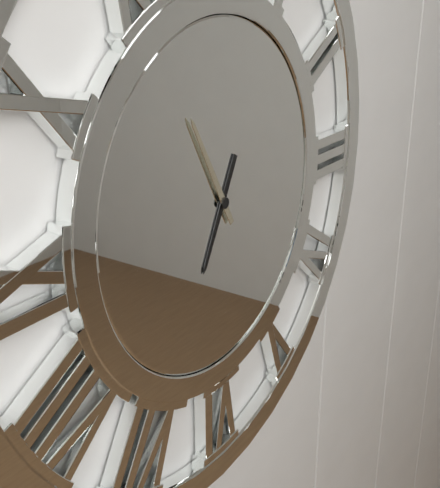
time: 6:55
